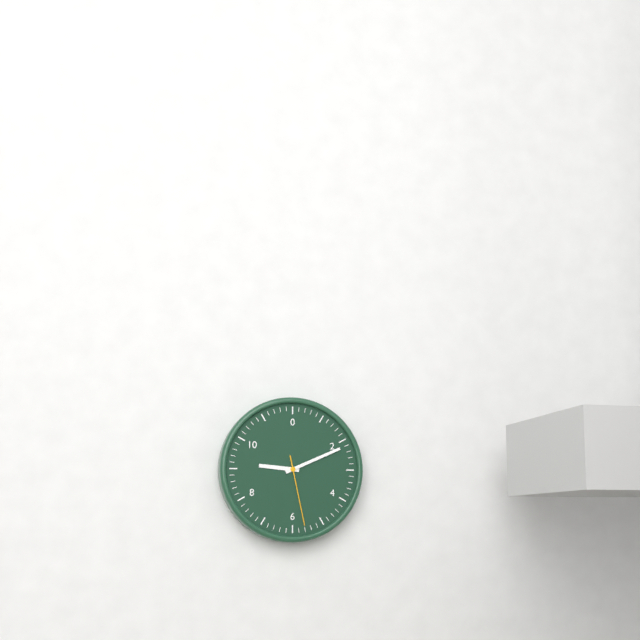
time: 9:11:28
